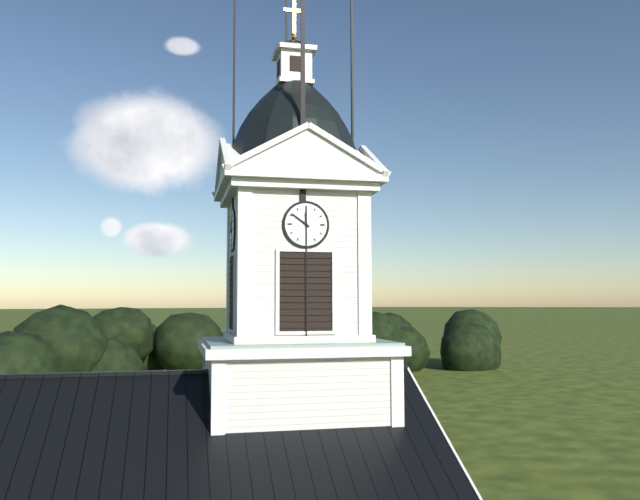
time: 11:51
